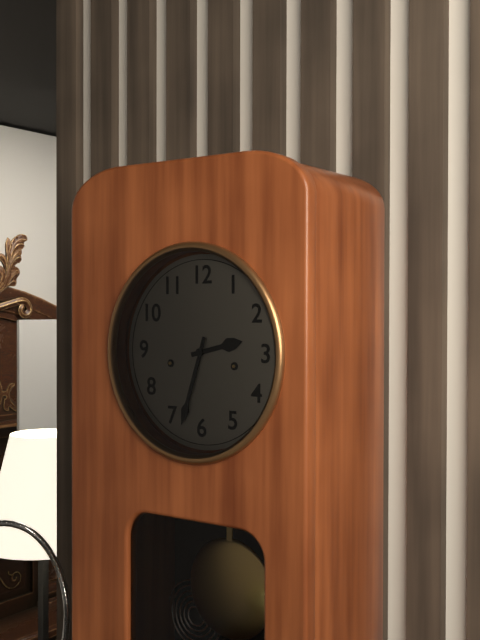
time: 2:33
